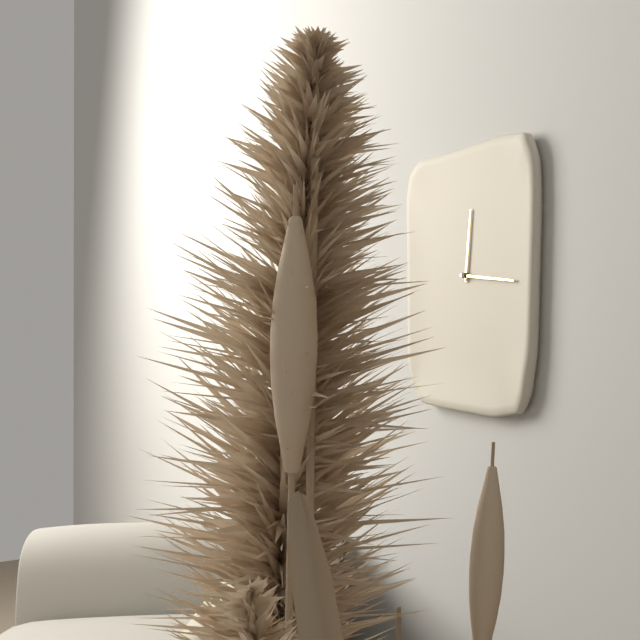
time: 12:16
